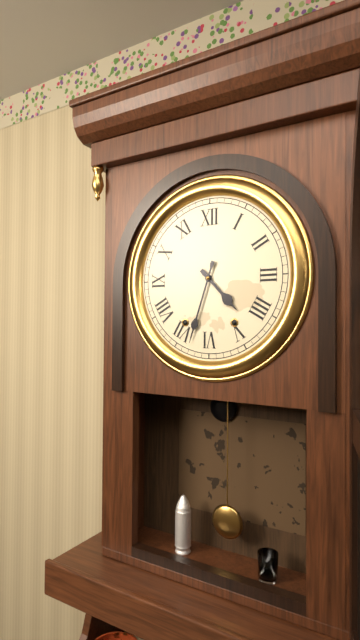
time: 4:33
